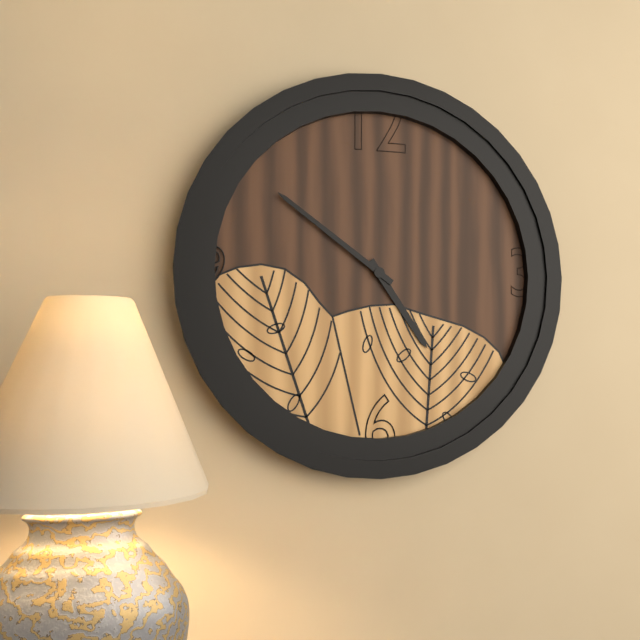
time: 4:51
